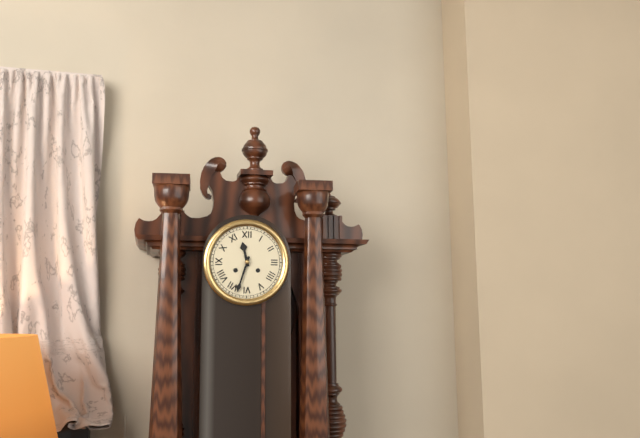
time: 11:33
